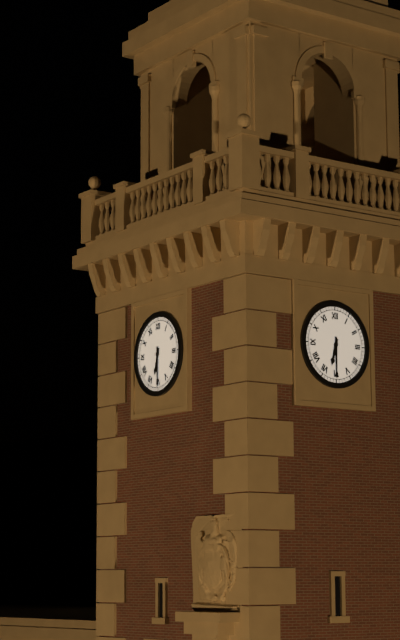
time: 6:30
